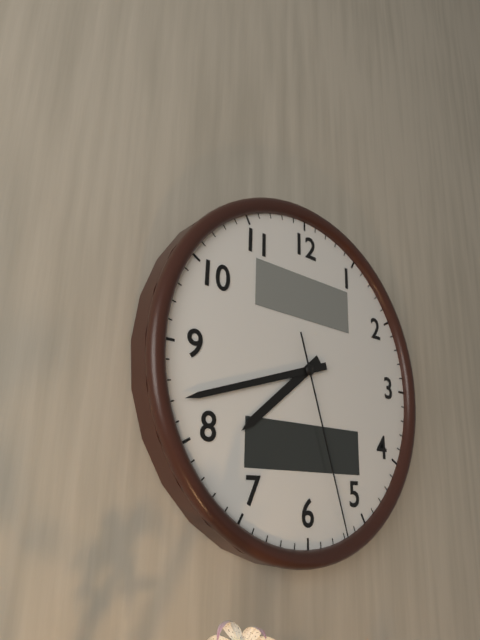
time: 7:42:27
